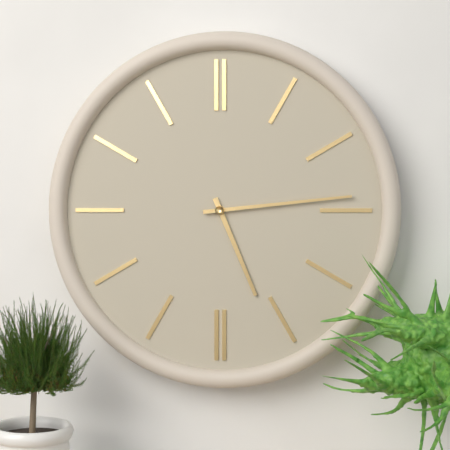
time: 5:14
